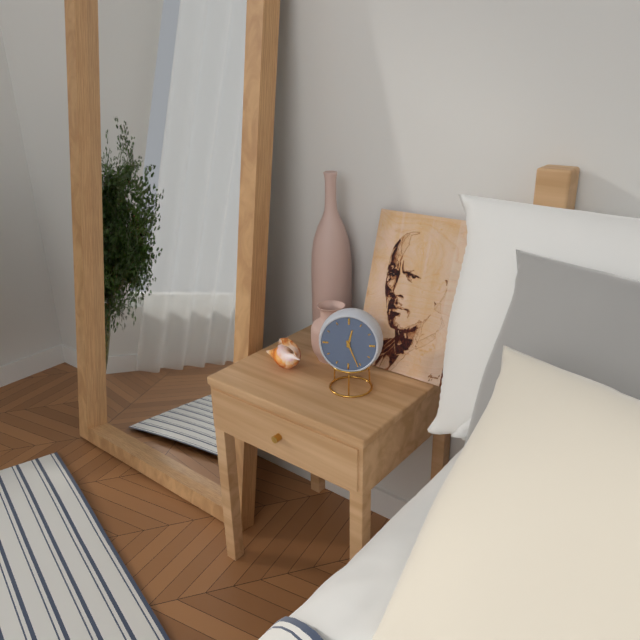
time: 12:26
